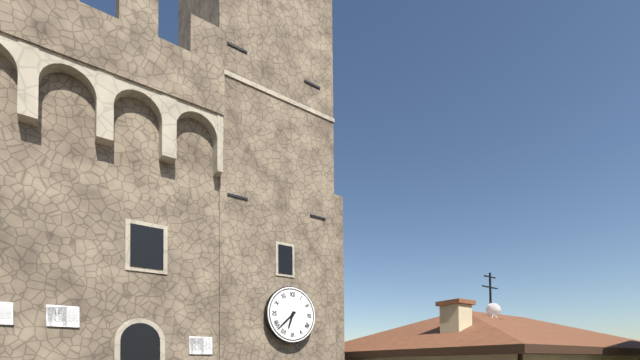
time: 6:38
